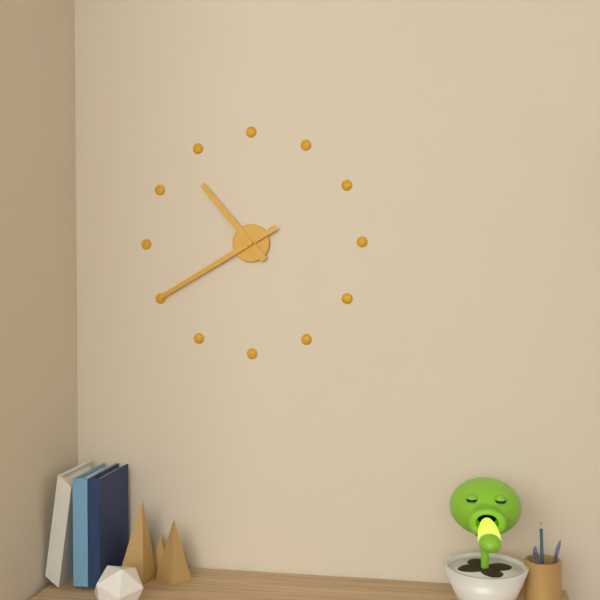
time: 10:40
